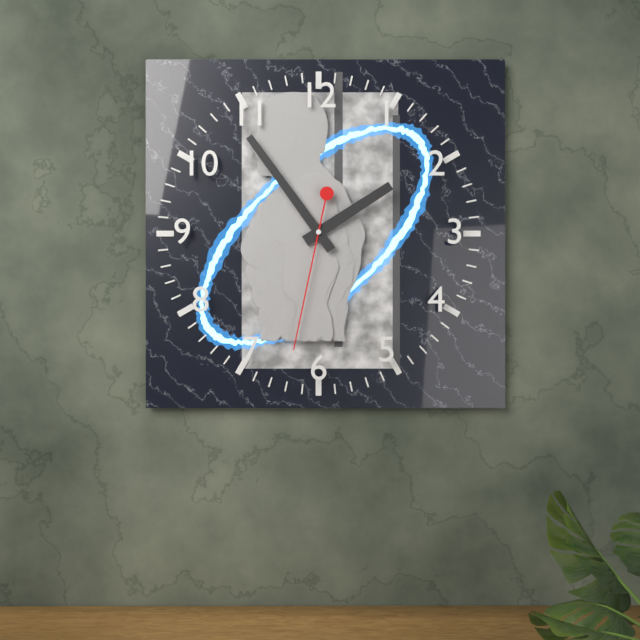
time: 1:54:32
